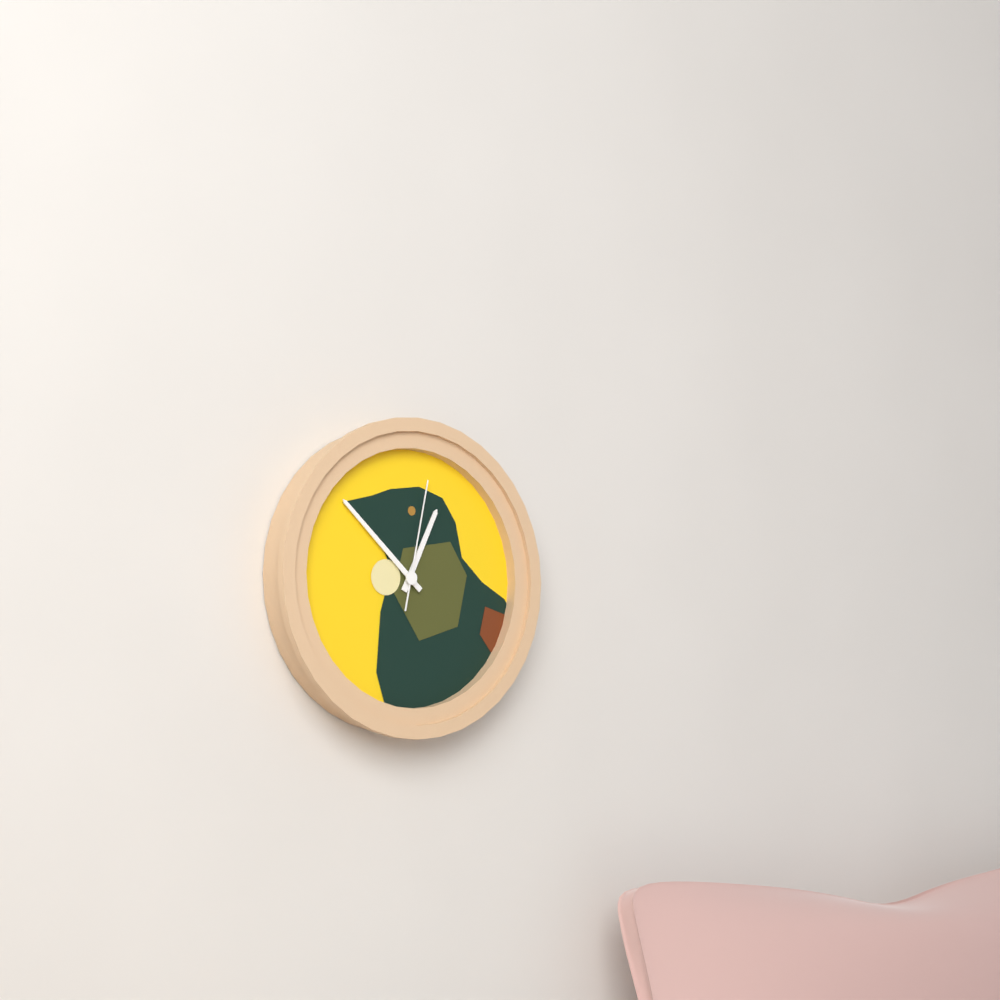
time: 12:52:02
